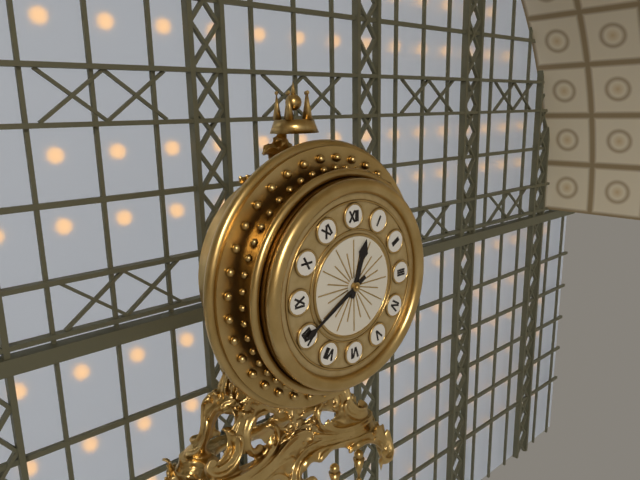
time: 12:40
